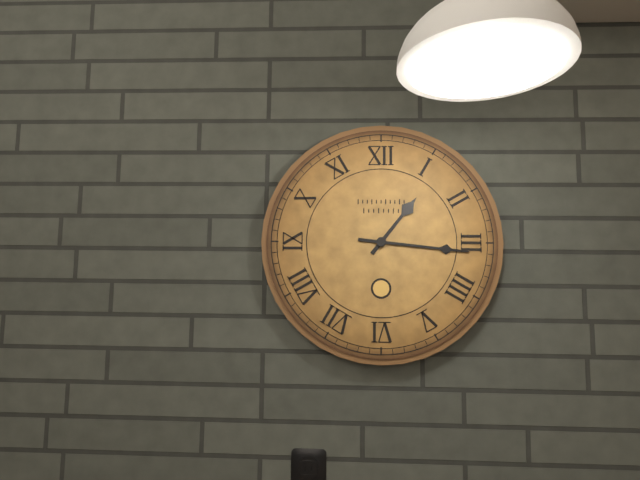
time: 1:16
